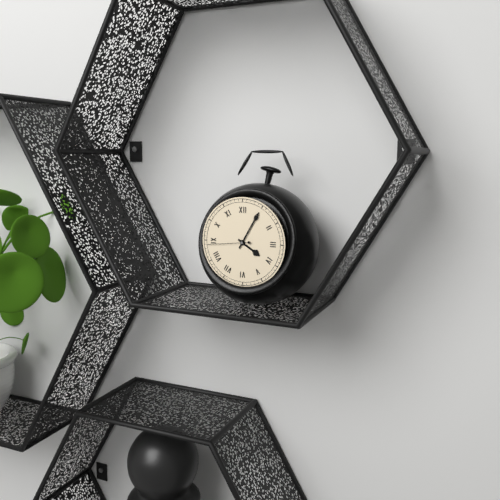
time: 4:05
